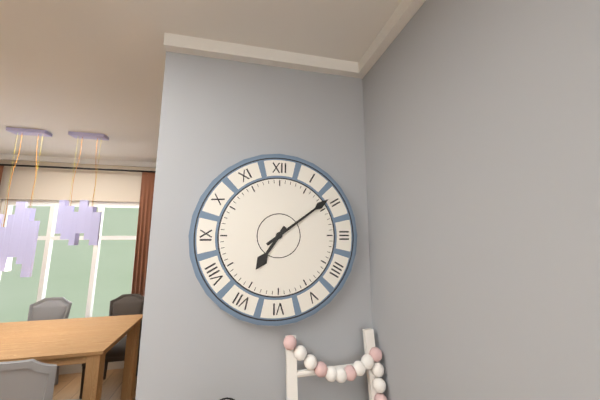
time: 7:09
